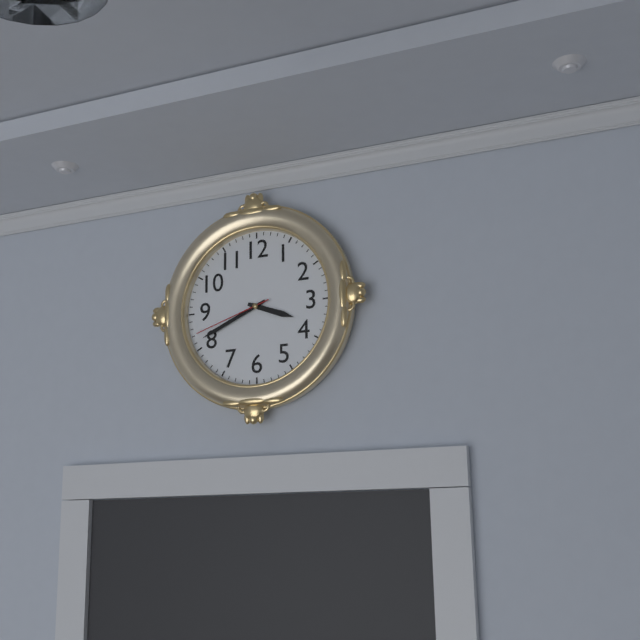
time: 3:41:42
